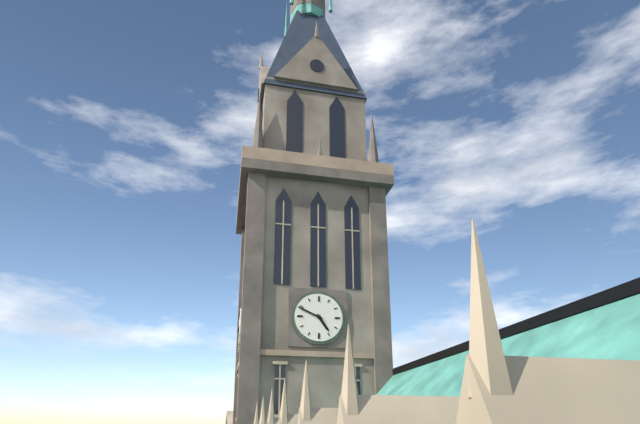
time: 4:49
